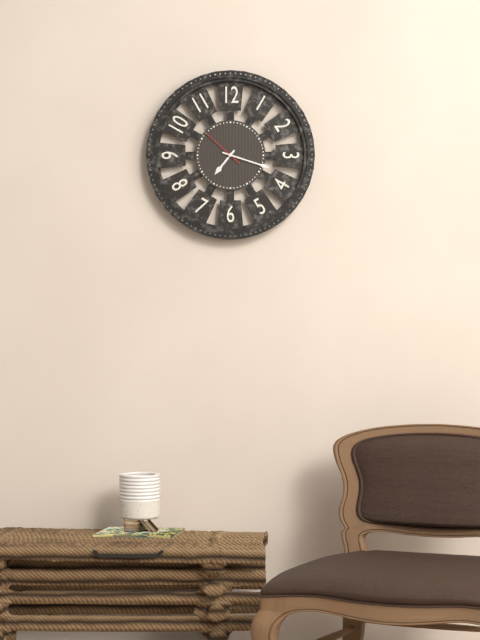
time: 7:18
